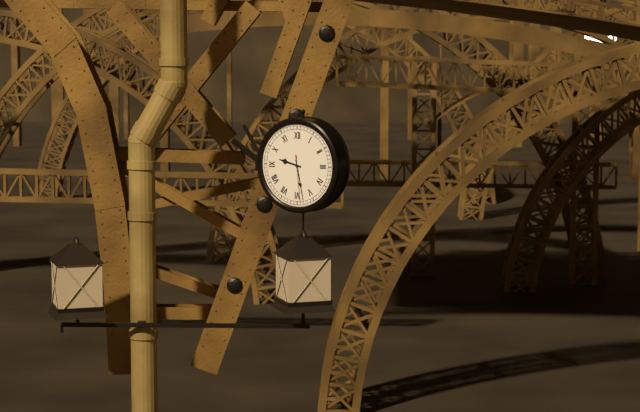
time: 9:28
